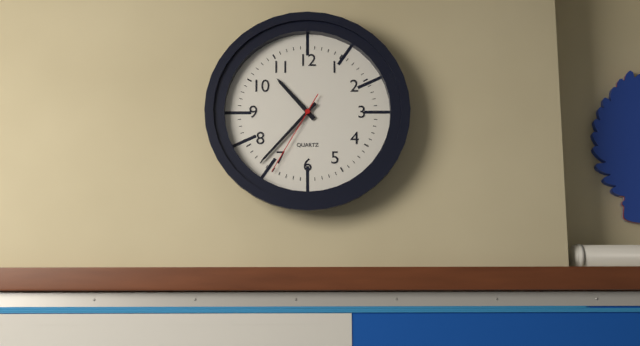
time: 10:37:35
